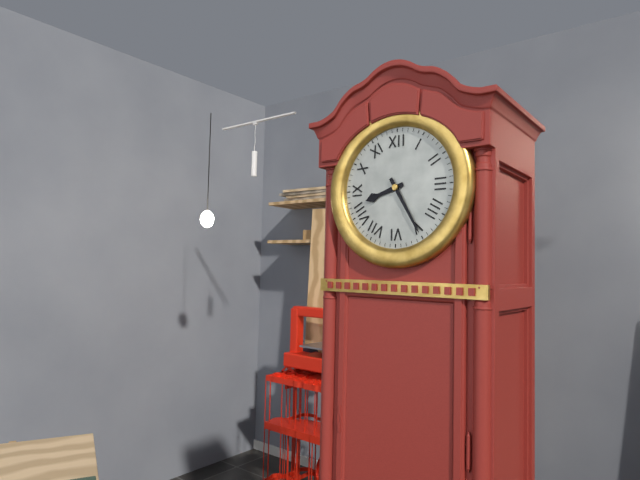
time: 8:25
